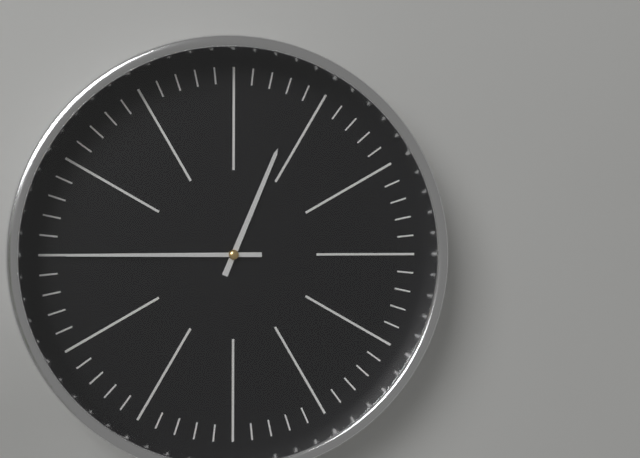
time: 12:45
